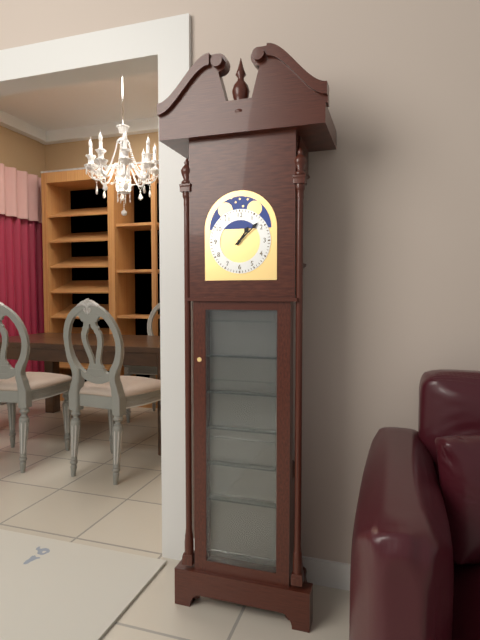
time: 1:08
